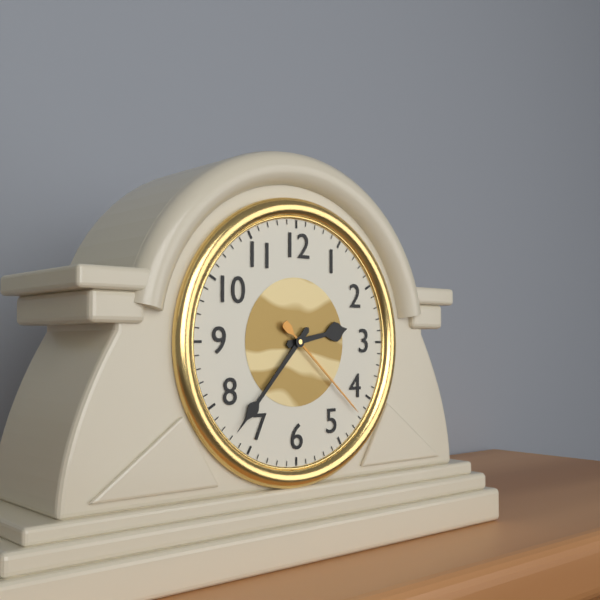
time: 2:37:22
